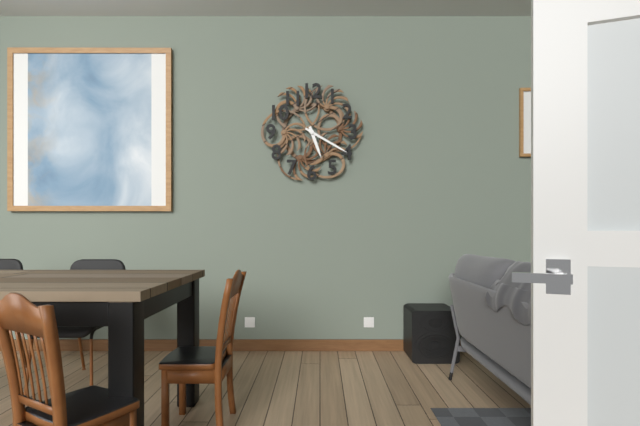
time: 5:20
